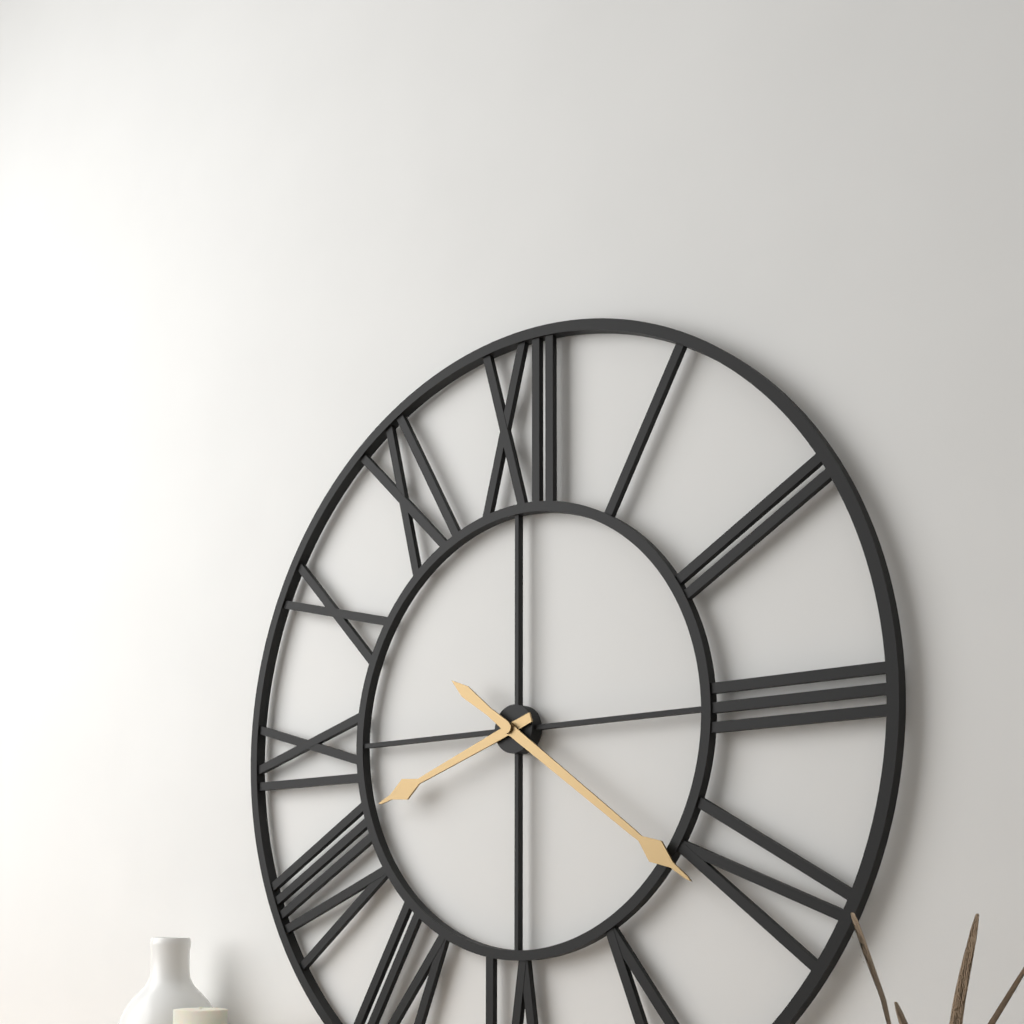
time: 8:21
